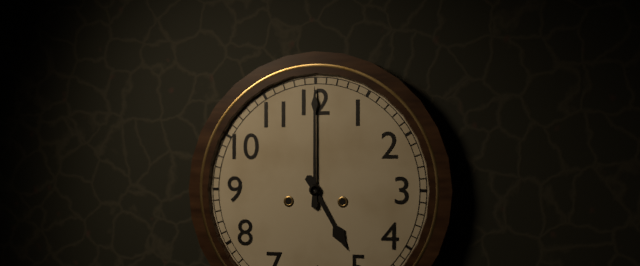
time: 5:00
